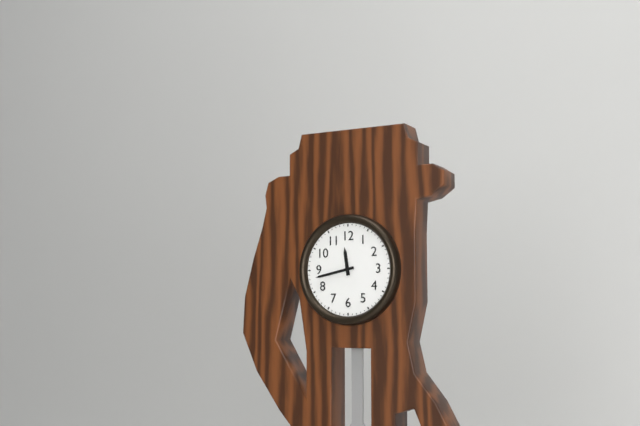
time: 11:43
